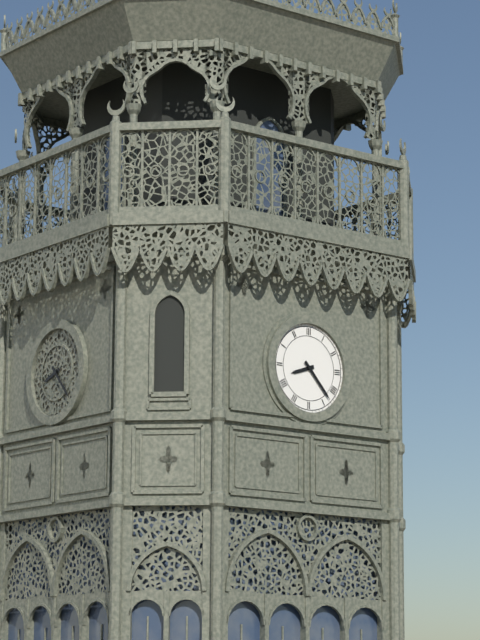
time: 8:23
